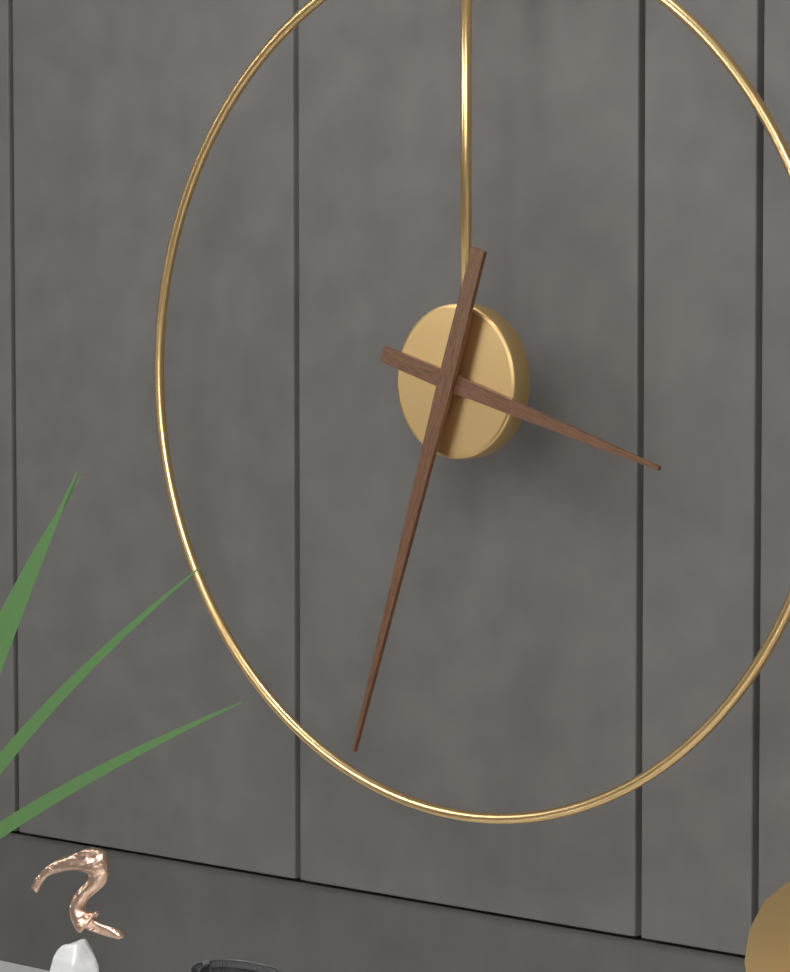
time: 3:33
